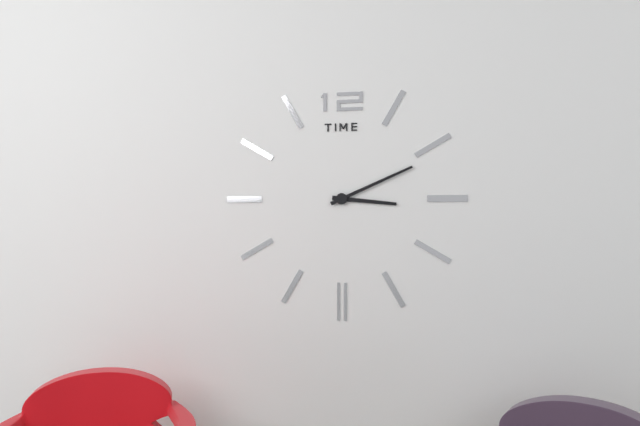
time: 3:11
